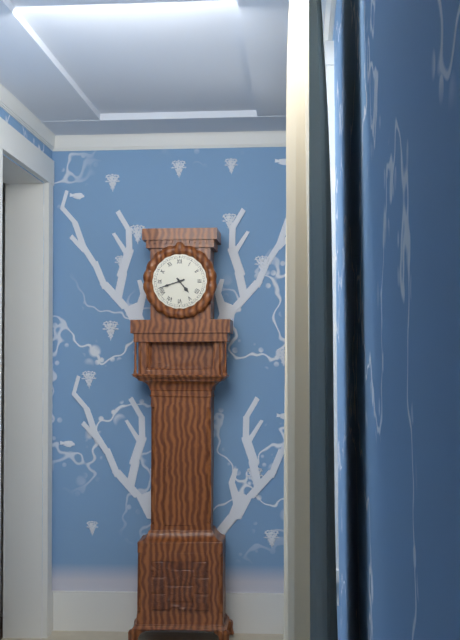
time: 4:42
